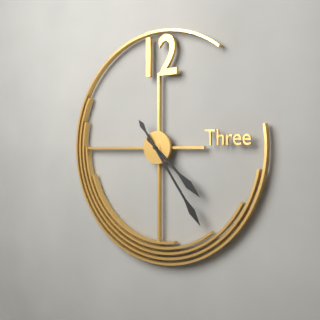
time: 4:24
